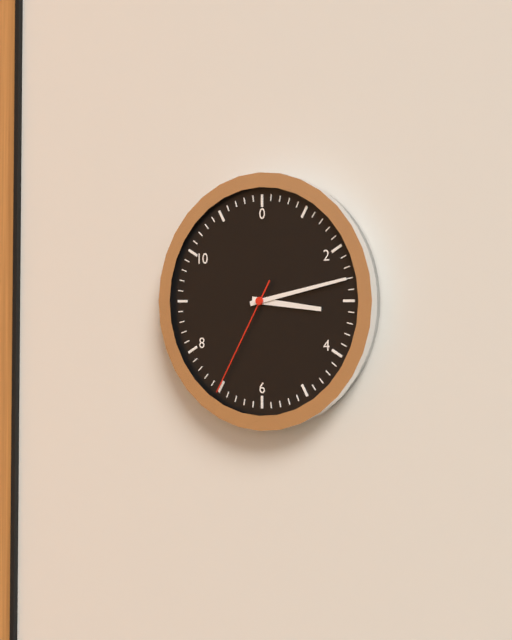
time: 3:13:35
